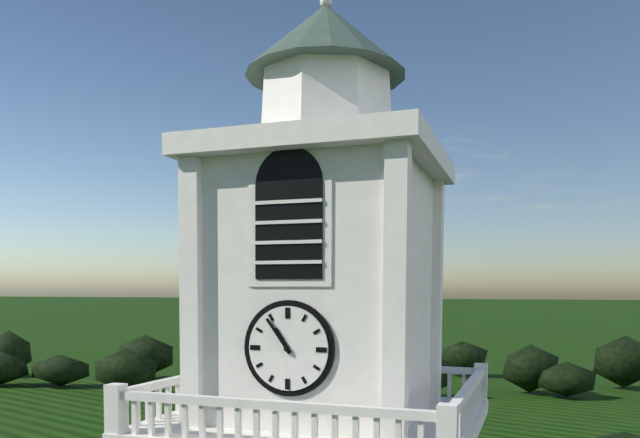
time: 10:54
